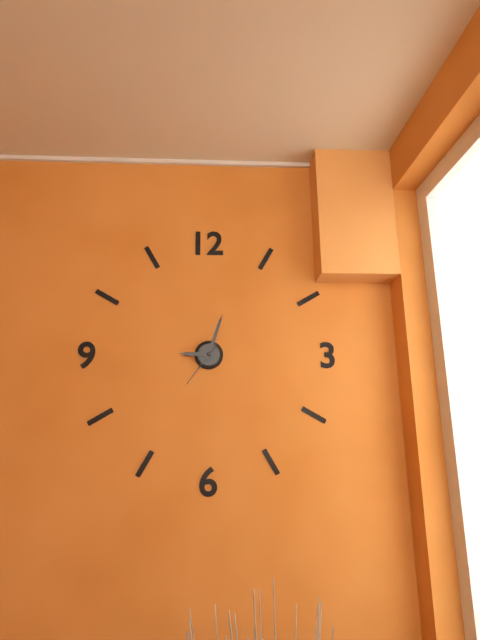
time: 9:03
